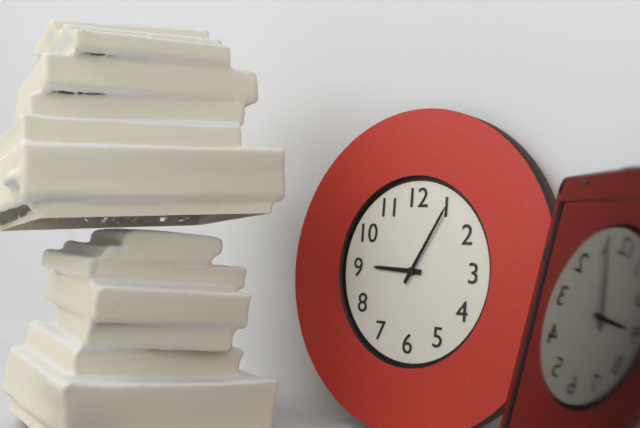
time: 9:05
